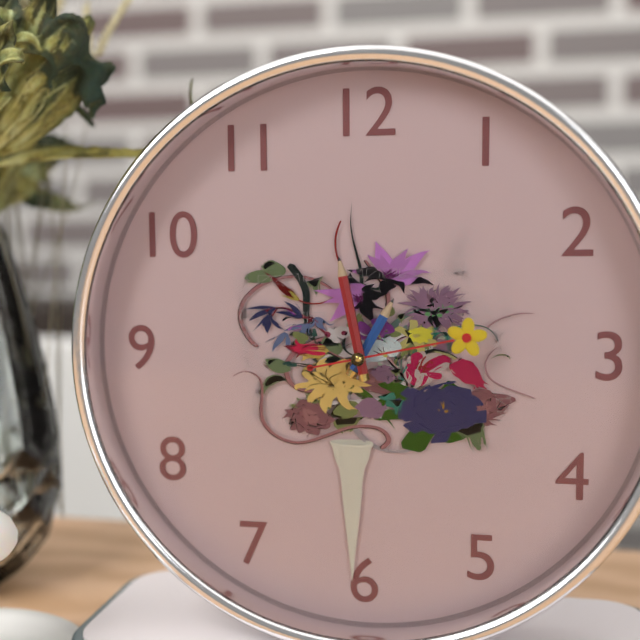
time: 12:58:13
